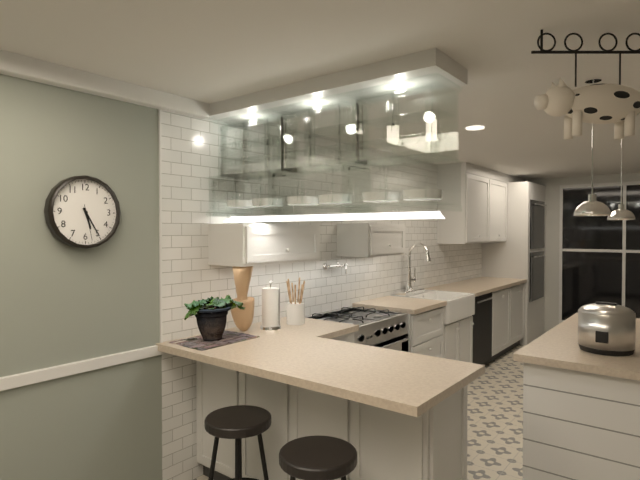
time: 5:25
